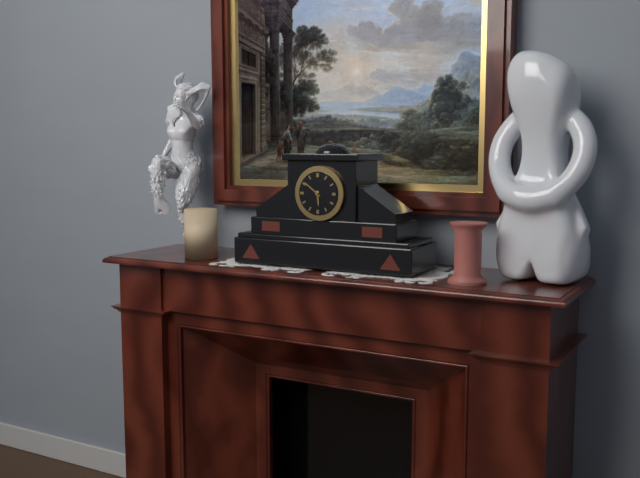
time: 5:51
